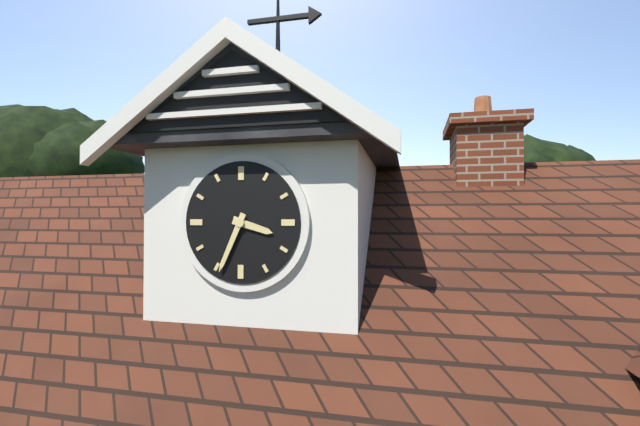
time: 3:34
